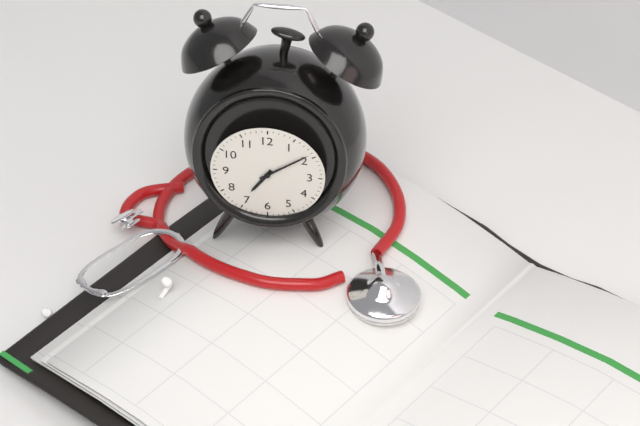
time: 7:09
